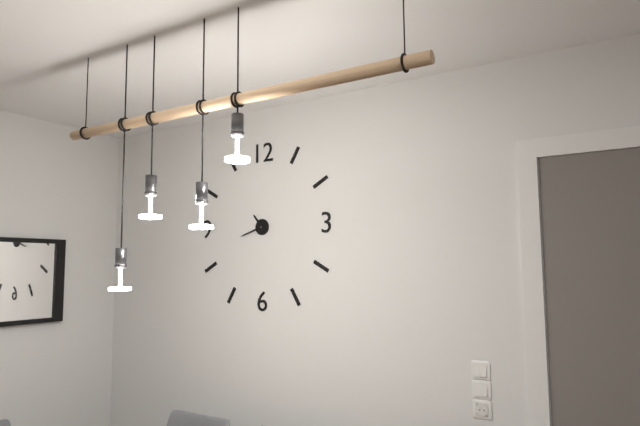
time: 10:42
